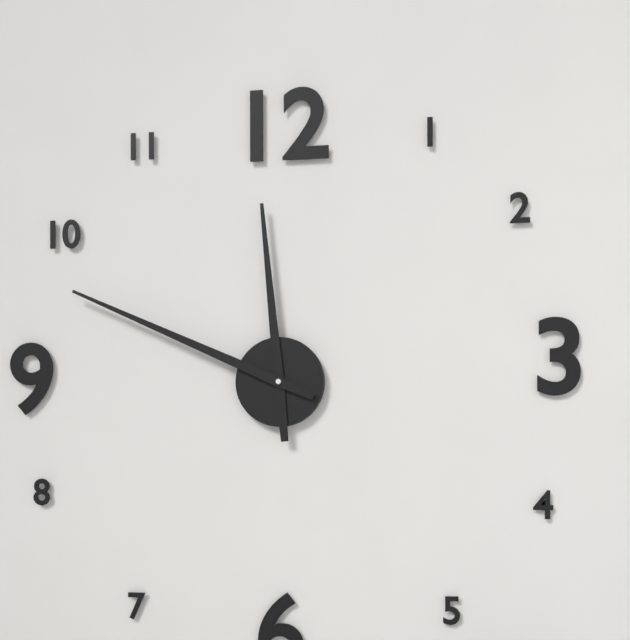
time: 11:49
